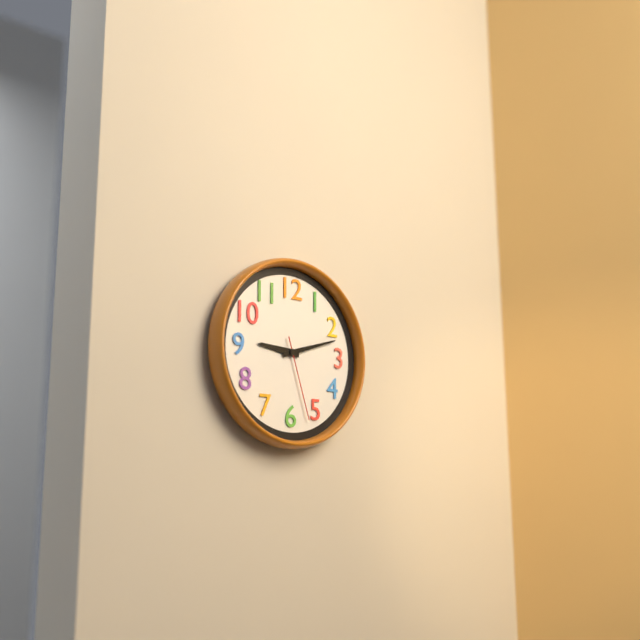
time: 9:12:27
